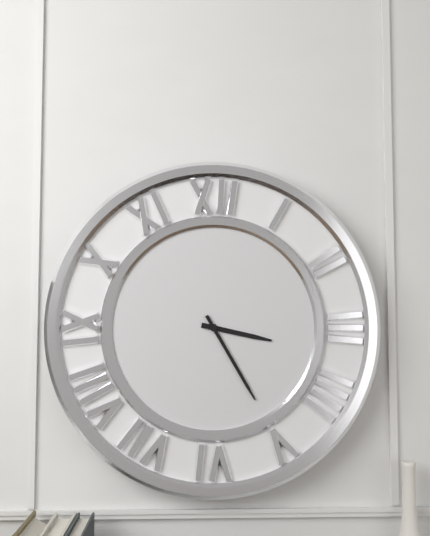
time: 3:25
